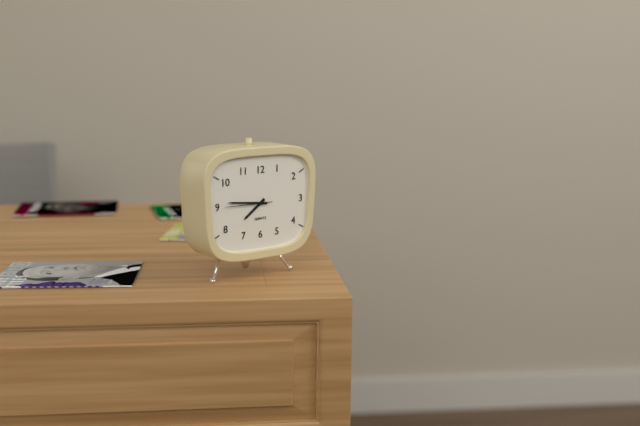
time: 7:46
